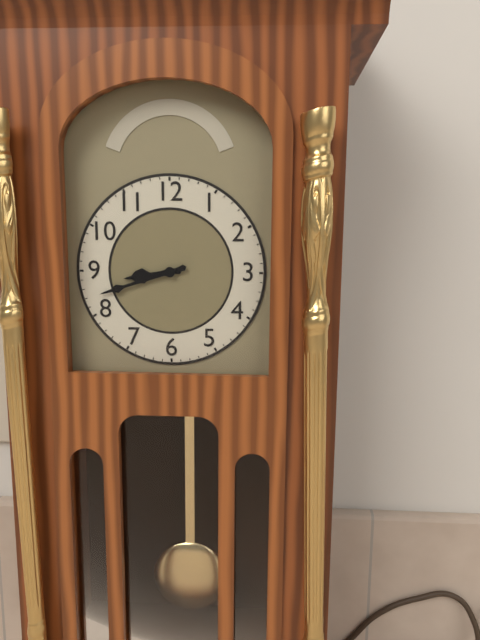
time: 8:42
